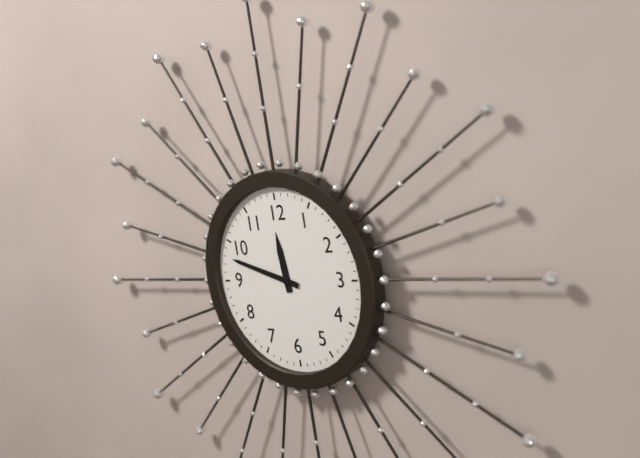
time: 11:48
